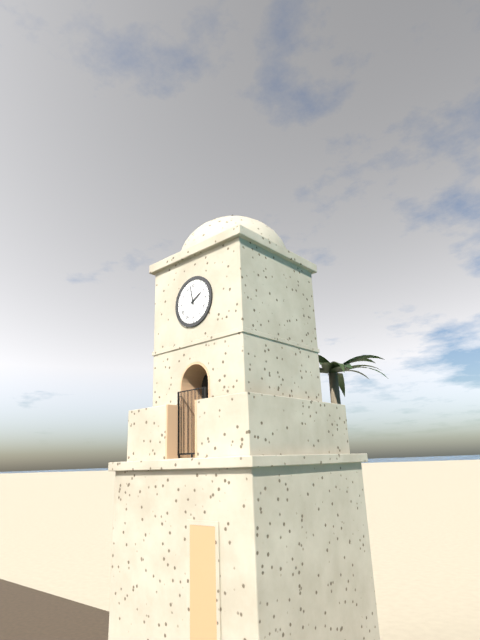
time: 1:58
